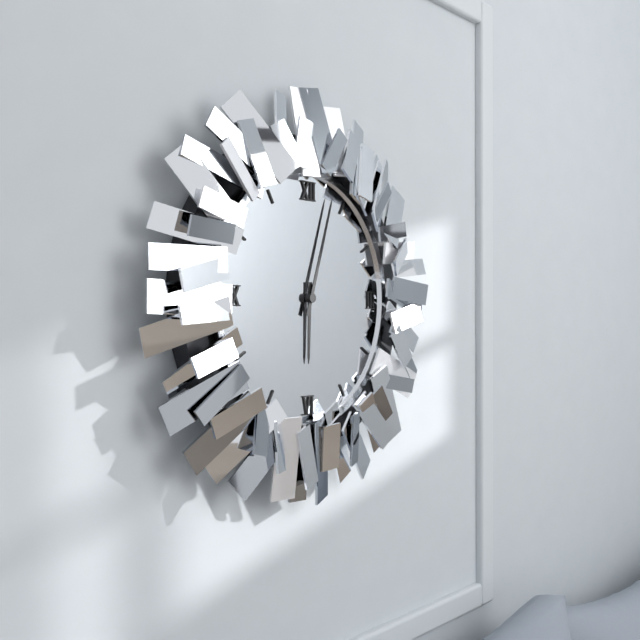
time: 6:03
